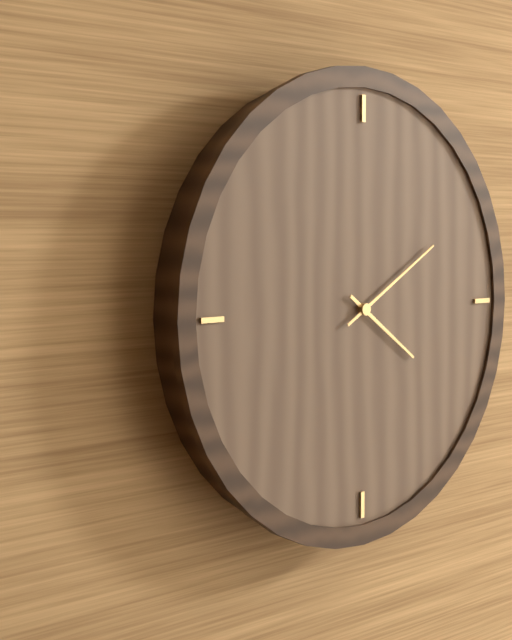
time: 4:10
